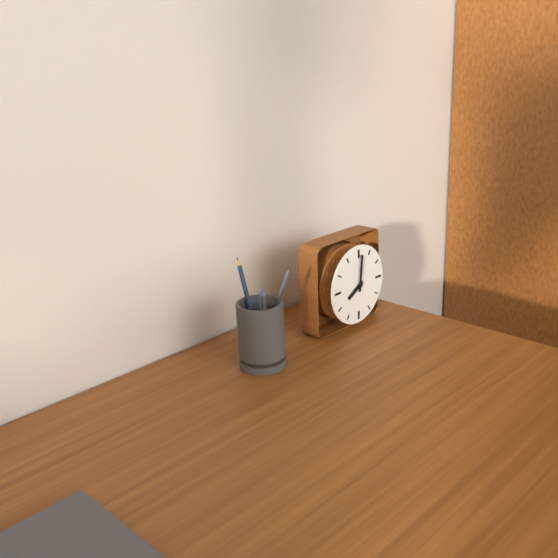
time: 8:01
